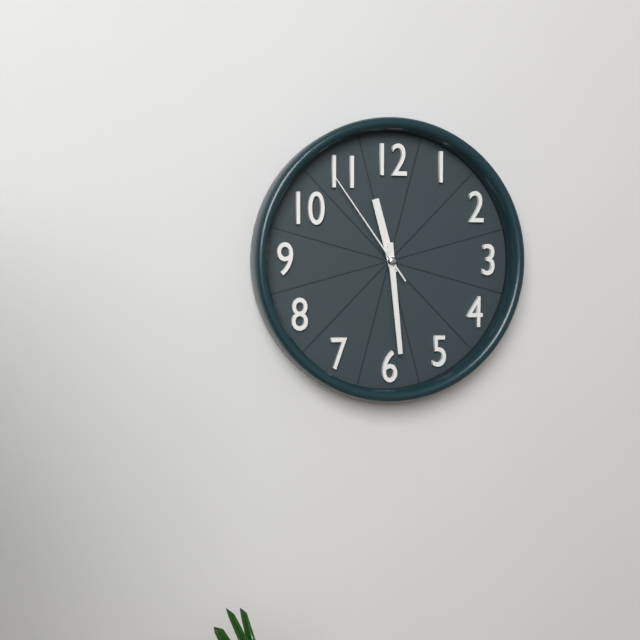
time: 11:29:54
